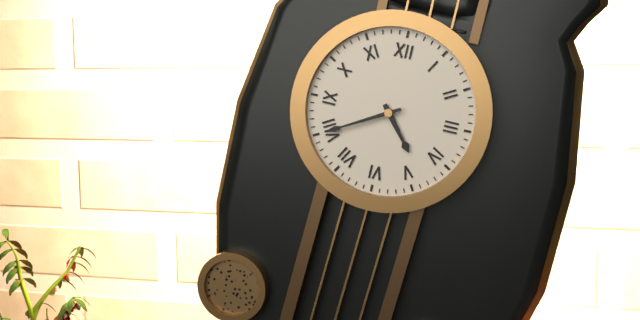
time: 4:40
